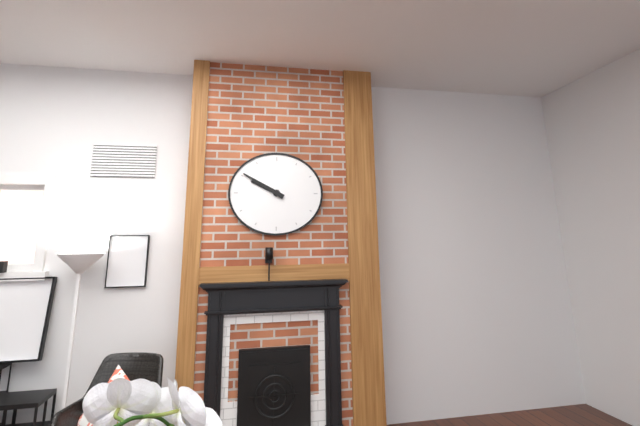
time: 9:50
